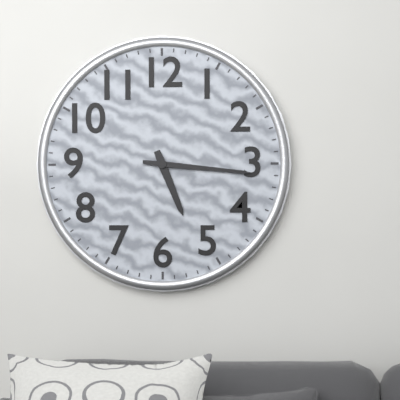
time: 5:16
